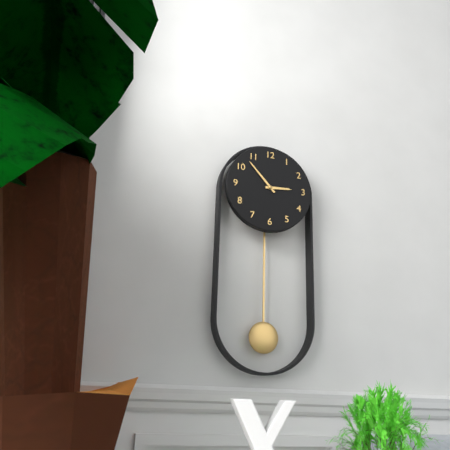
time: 2:53
